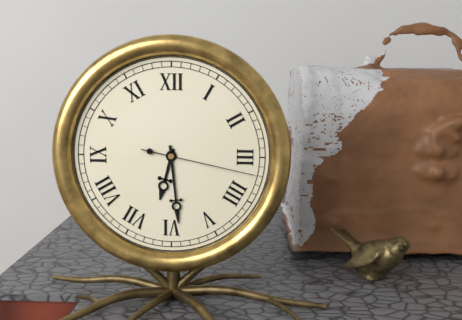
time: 6:29:17
